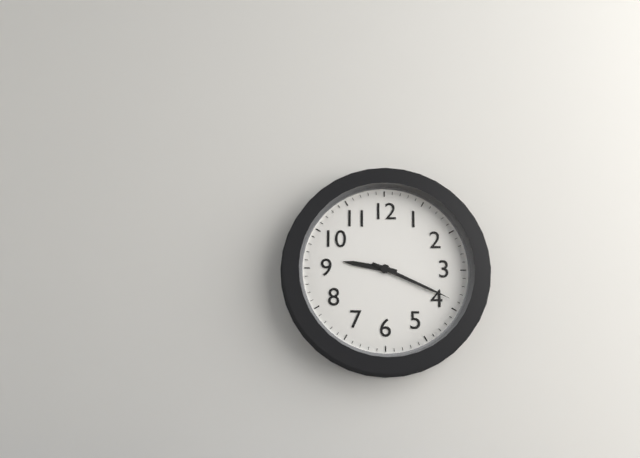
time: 9:19
